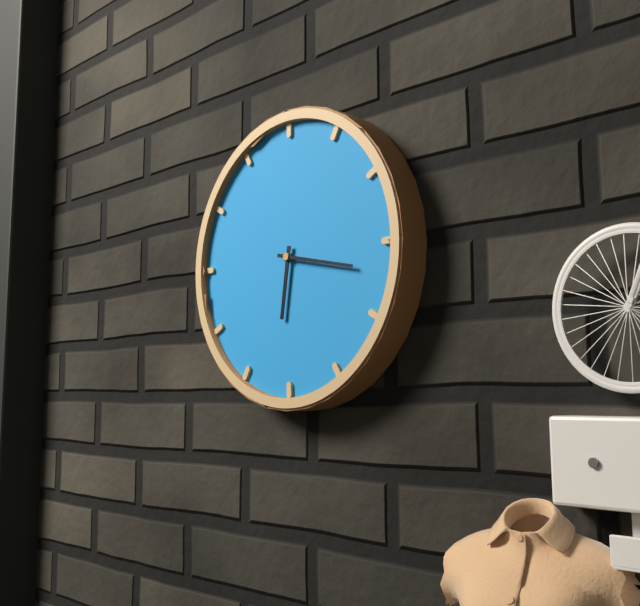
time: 6:17
